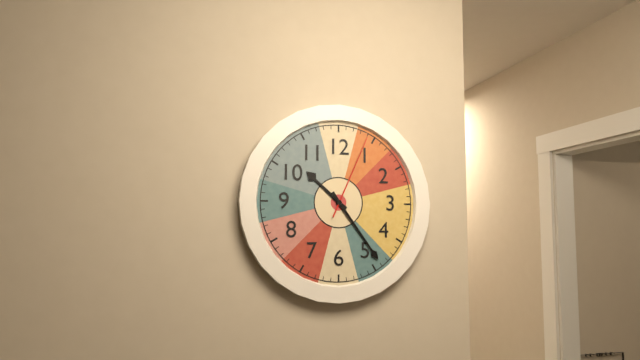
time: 10:24:04
